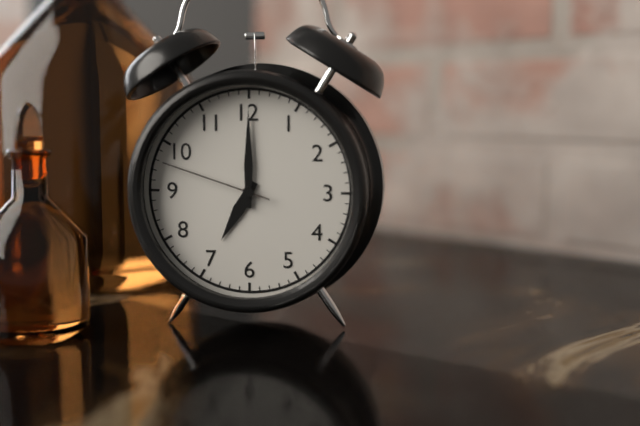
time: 7:00:48
